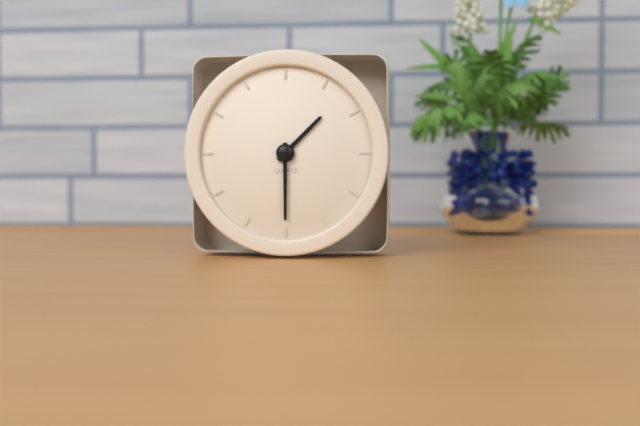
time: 1:30
